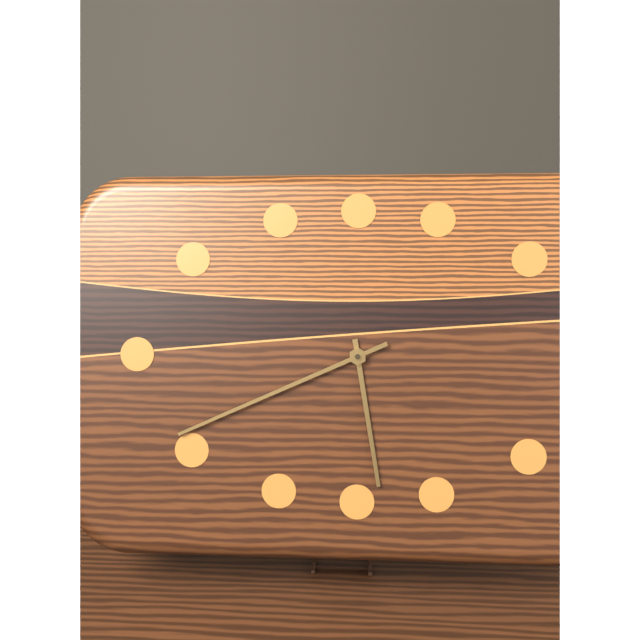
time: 5:41
